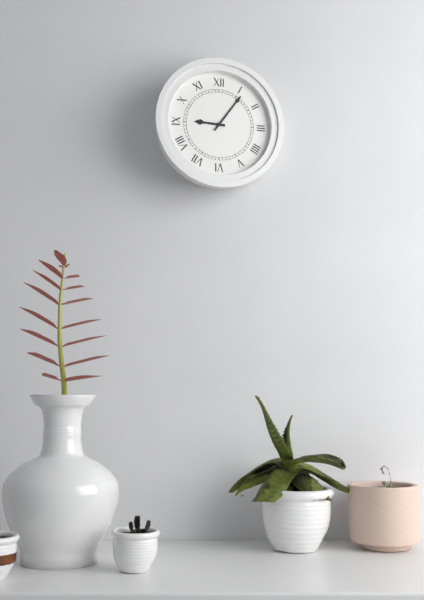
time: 9:06
